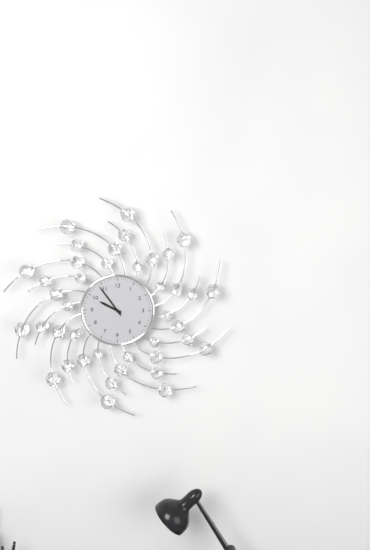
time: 9:54
